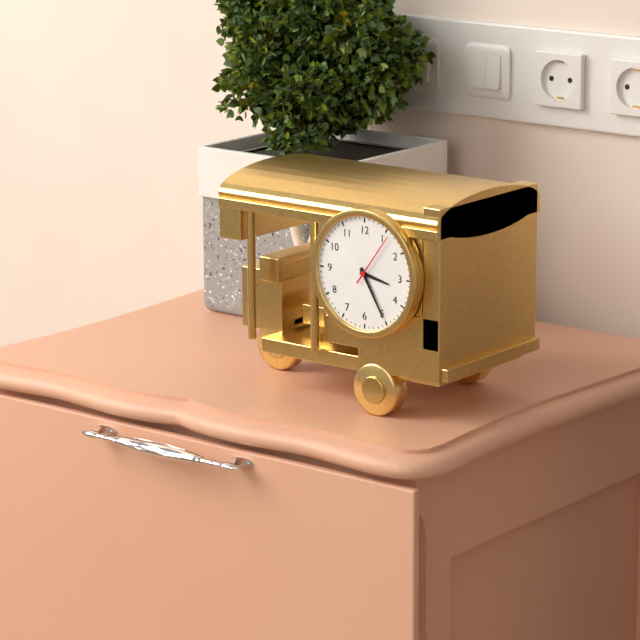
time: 3:25:06
